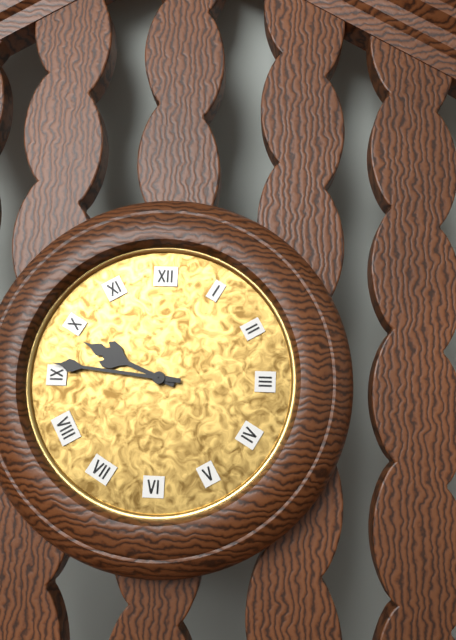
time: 9:46
